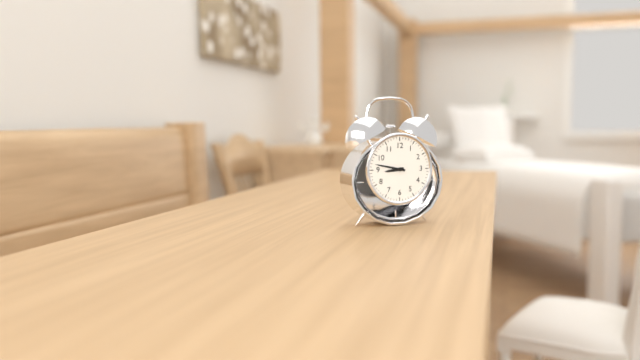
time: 8:47
